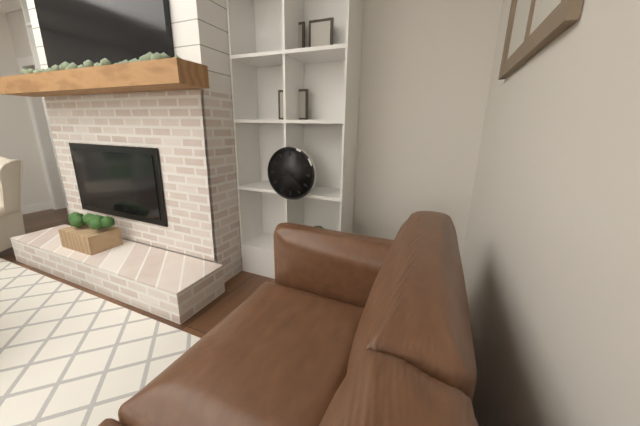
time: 8:23
